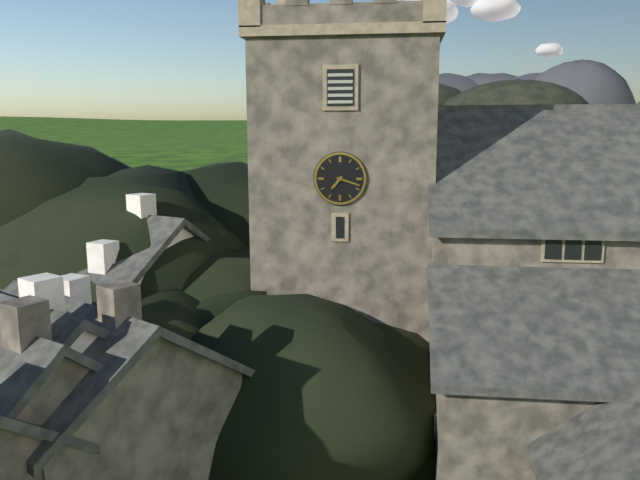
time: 7:18
